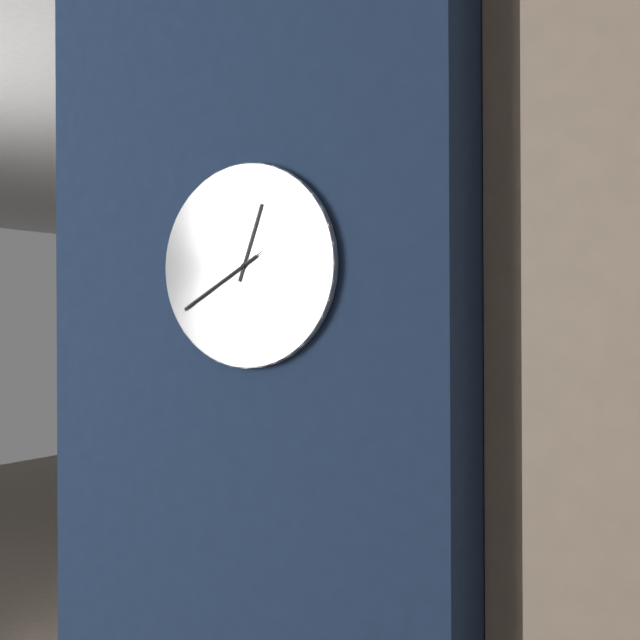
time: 12:40:40
